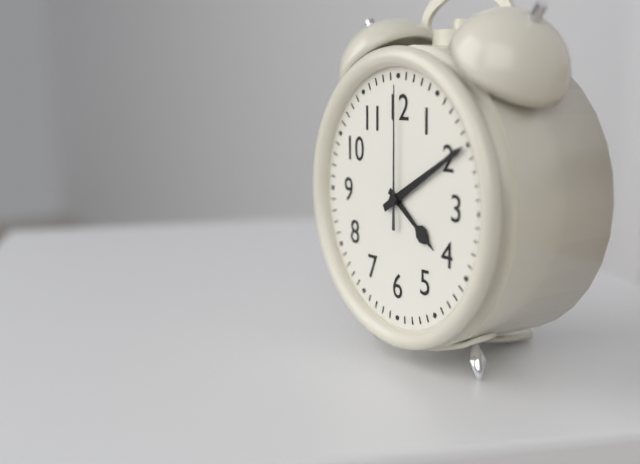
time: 4:10:00
